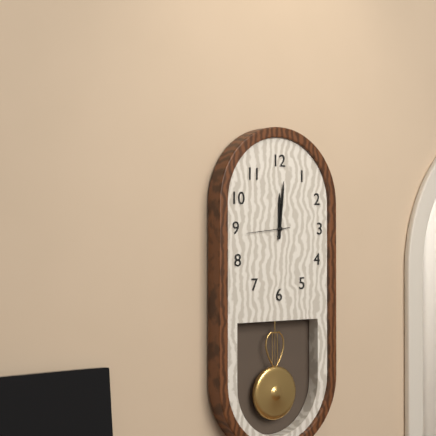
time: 12:01
